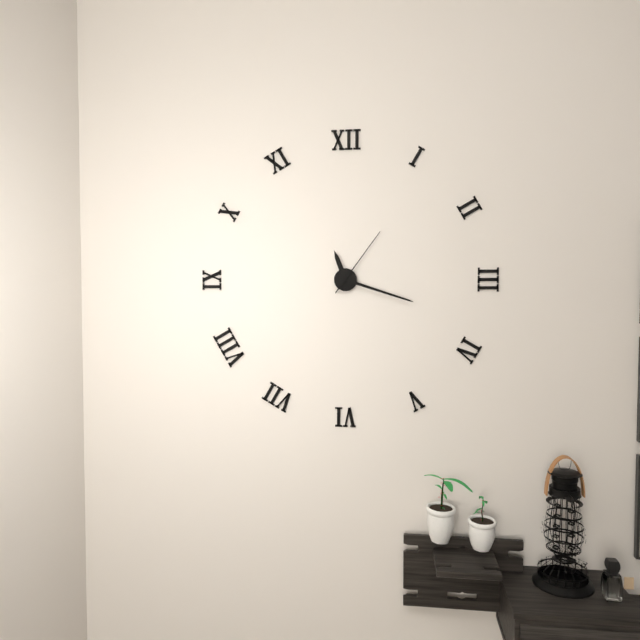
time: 11:18:06
